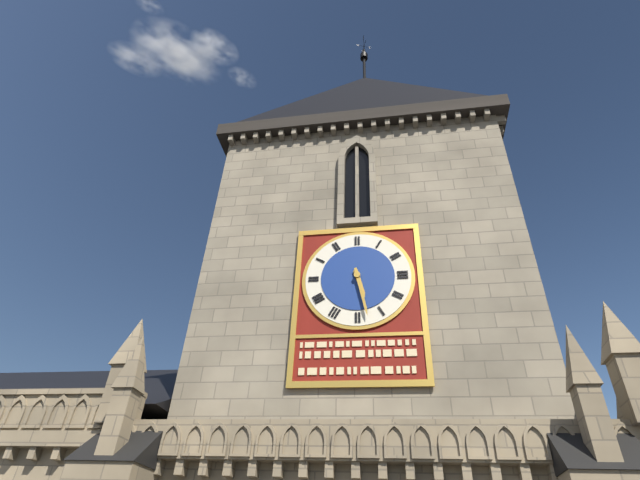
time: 5:28
